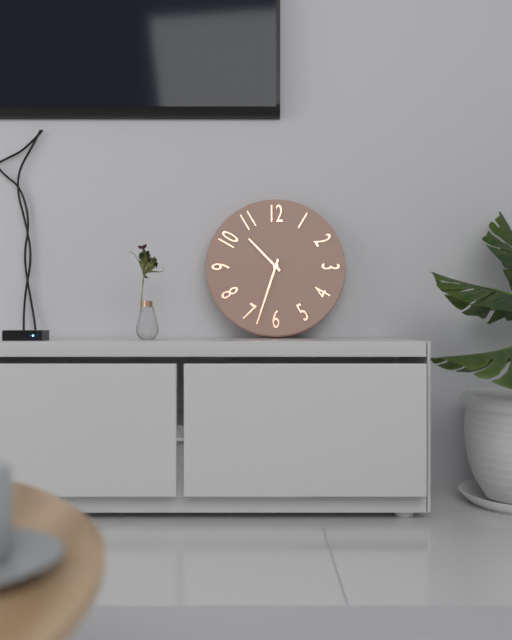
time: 10:33
